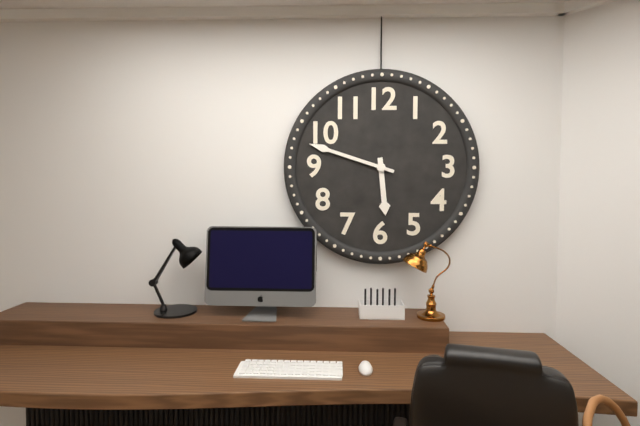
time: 5:48
